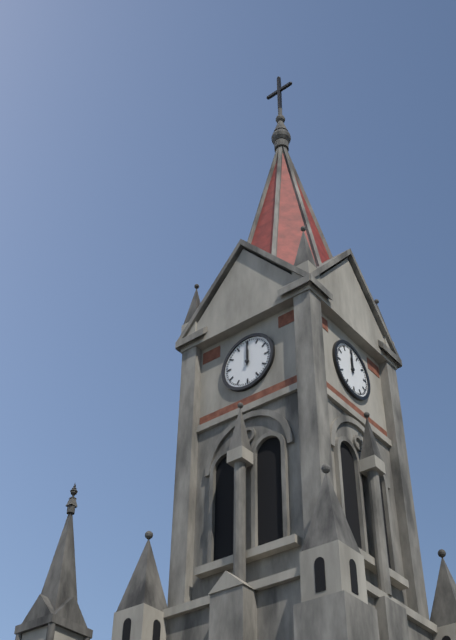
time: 12:00
